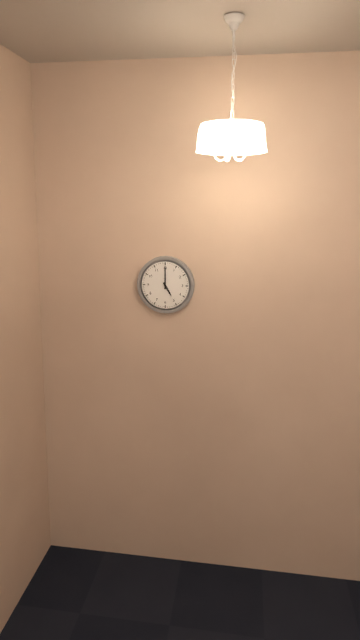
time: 5:00
